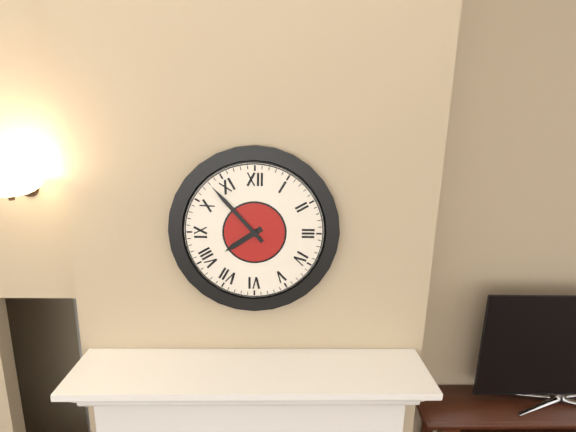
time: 7:53
